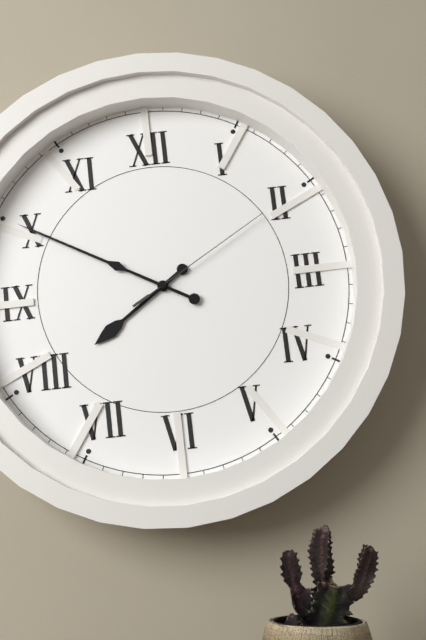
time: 7:50:10
